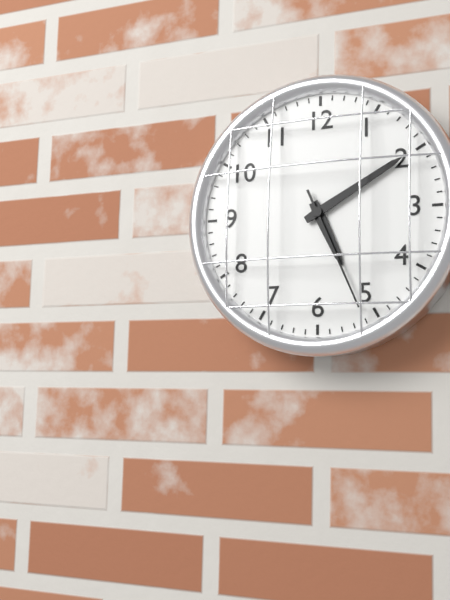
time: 5:10:26
